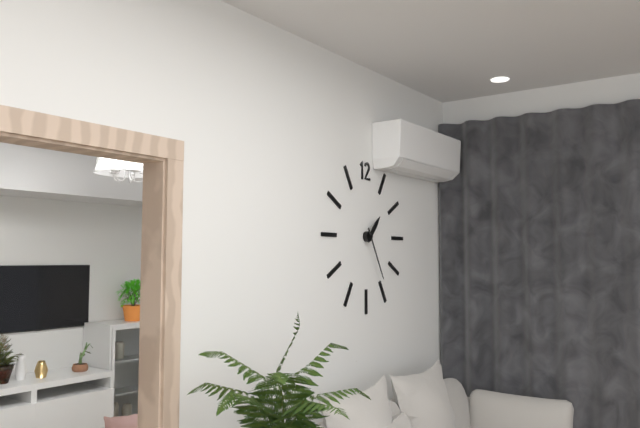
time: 1:25
